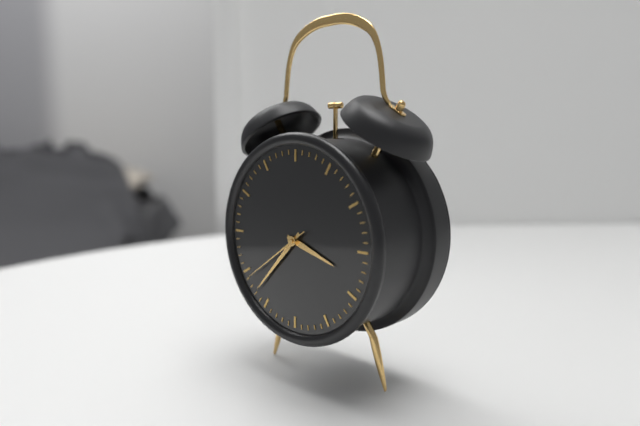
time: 3:37:39
